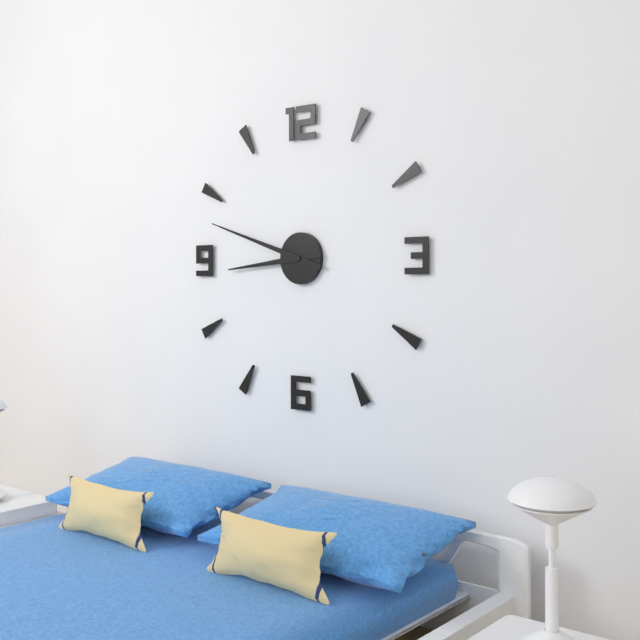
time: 8:48
